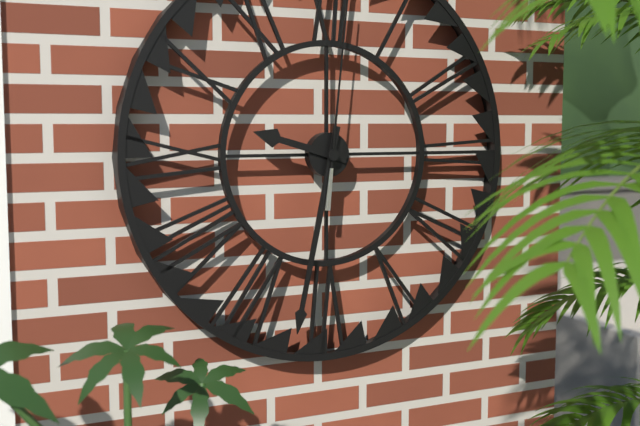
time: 9:32
